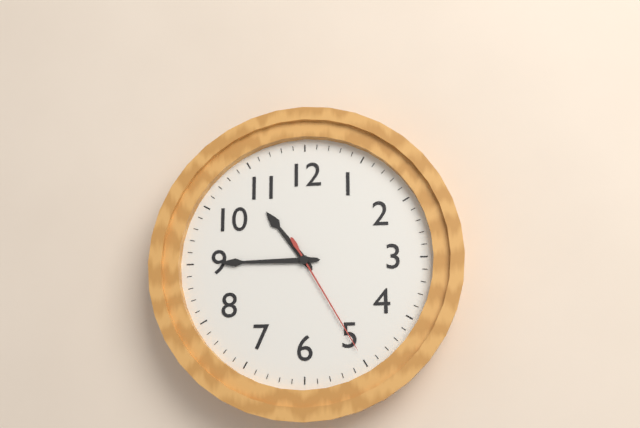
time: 10:45:25
